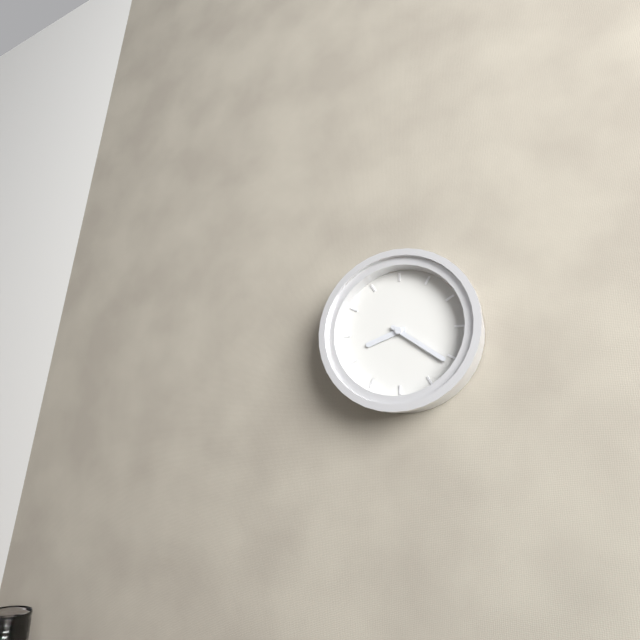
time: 8:21
